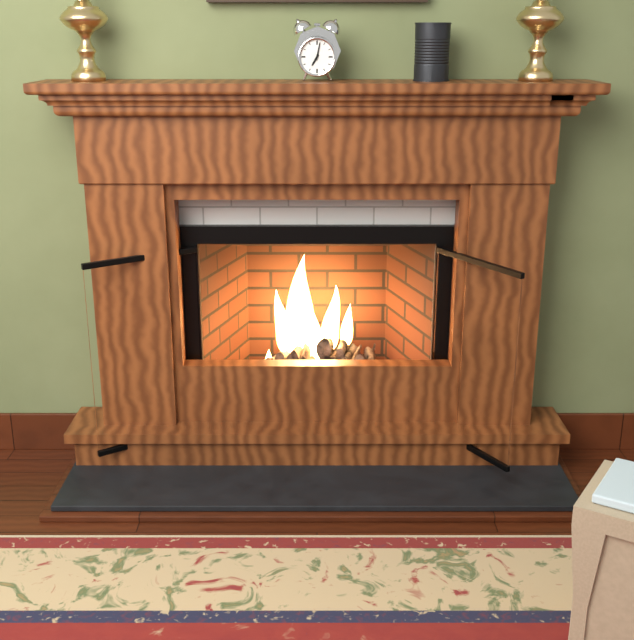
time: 7:02
